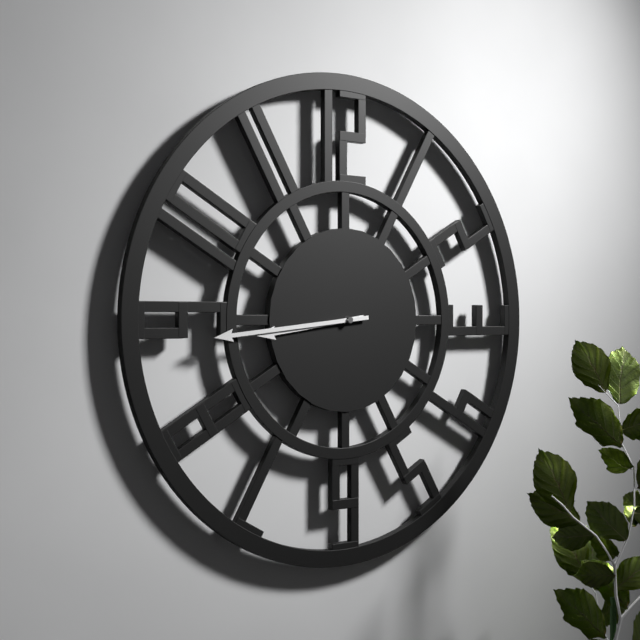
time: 8:44
